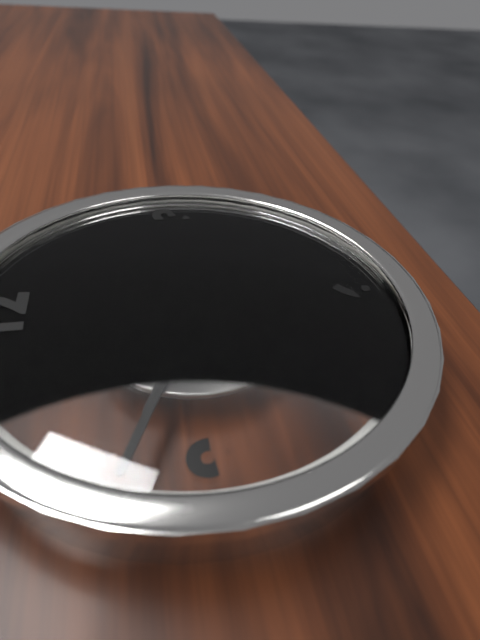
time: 9:49
